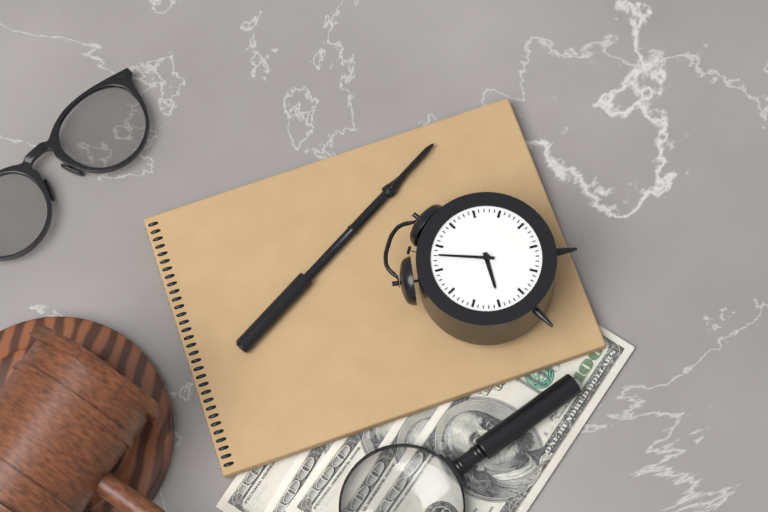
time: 7:58
